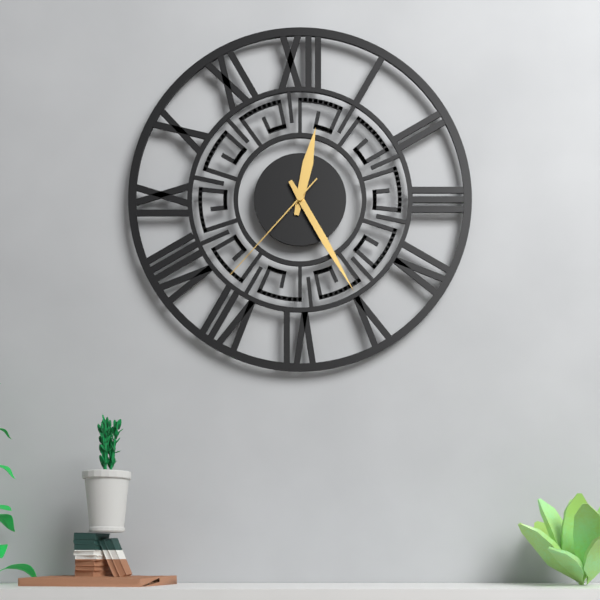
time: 12:25:37
